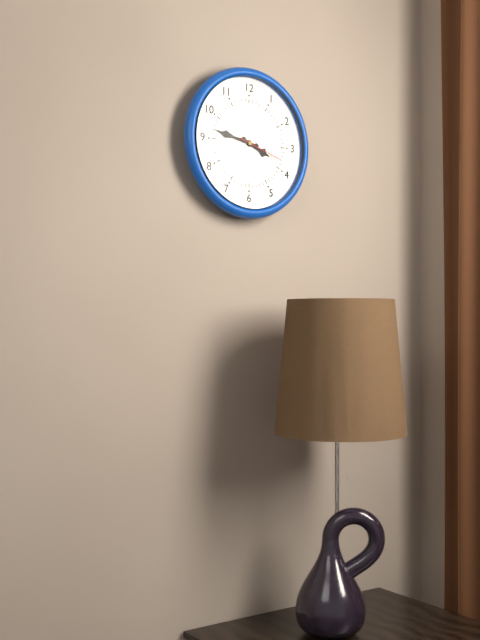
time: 3:47
